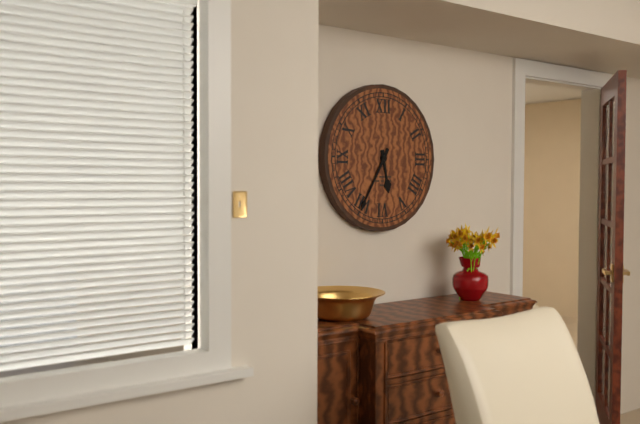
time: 5:35
